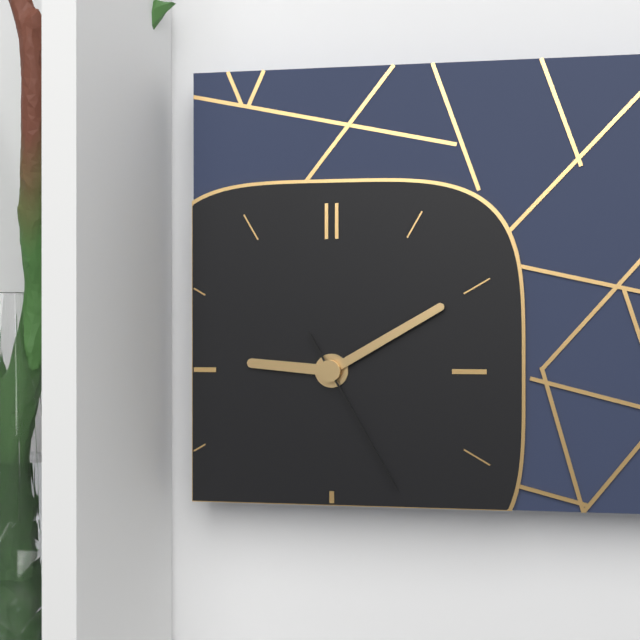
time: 9:10:25
